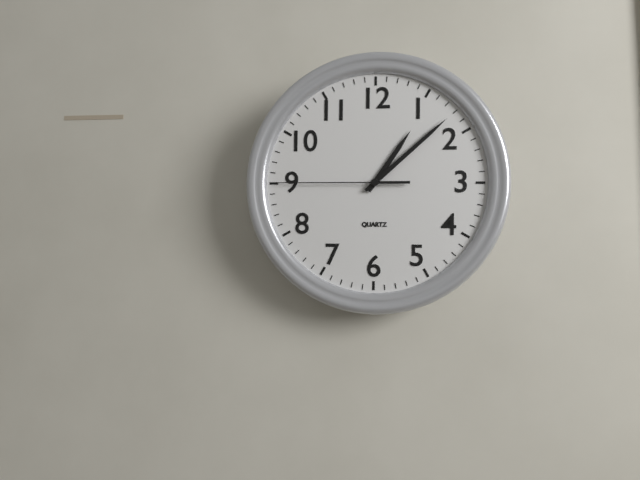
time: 1:08:45
